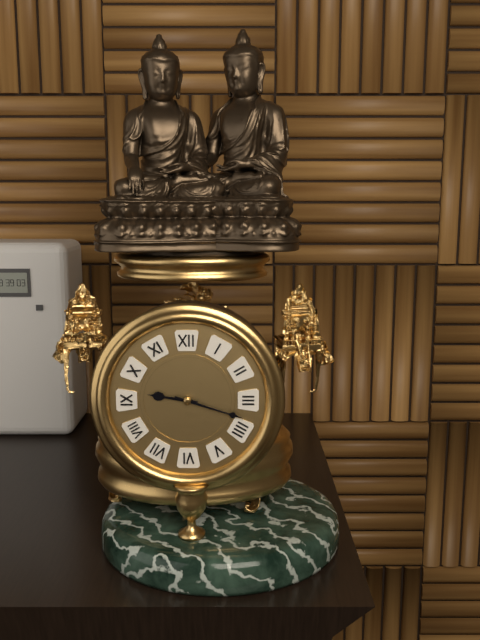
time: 9:18
